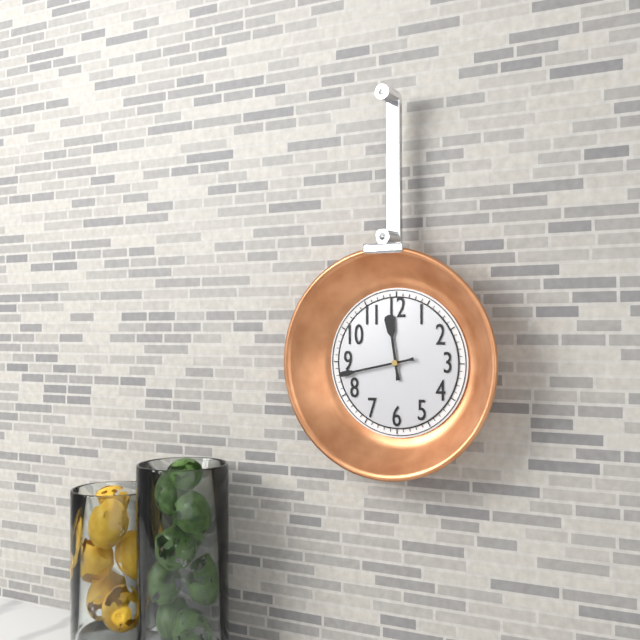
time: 11:43
